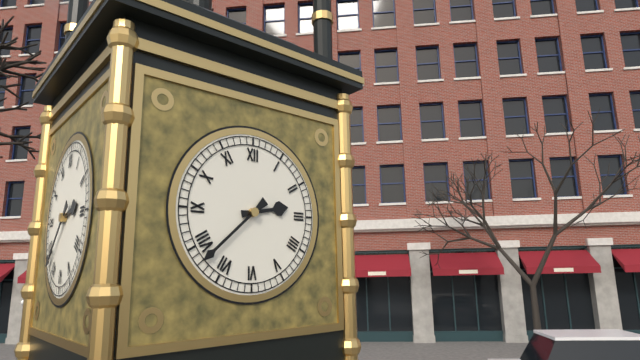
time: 2:38
